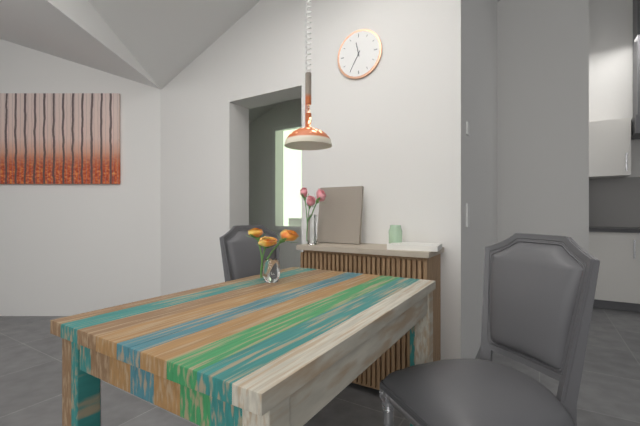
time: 11:35
